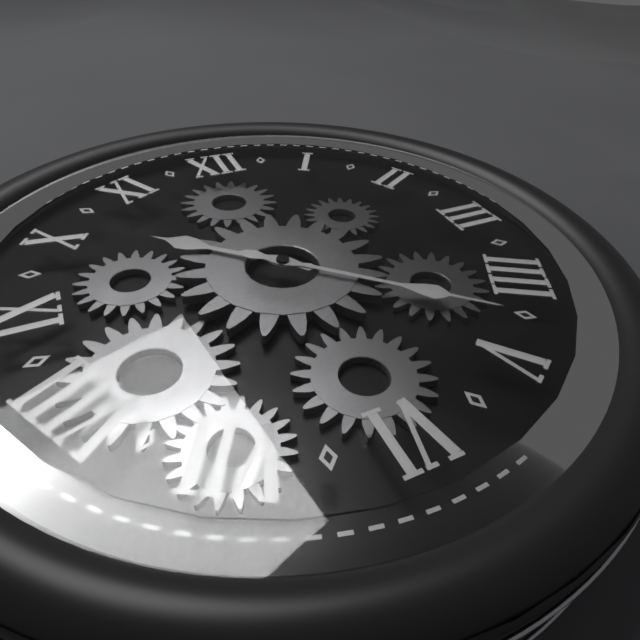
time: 10:22
